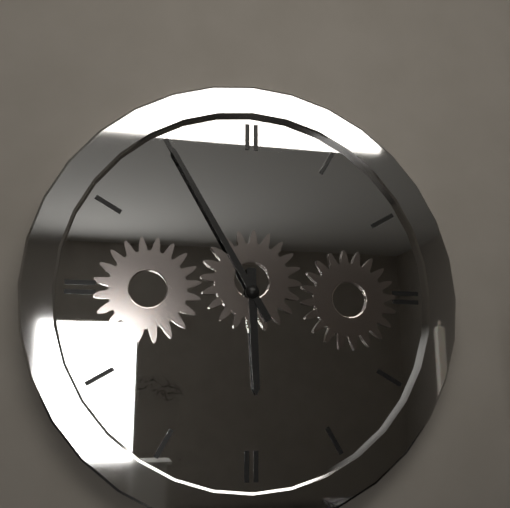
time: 5:55
